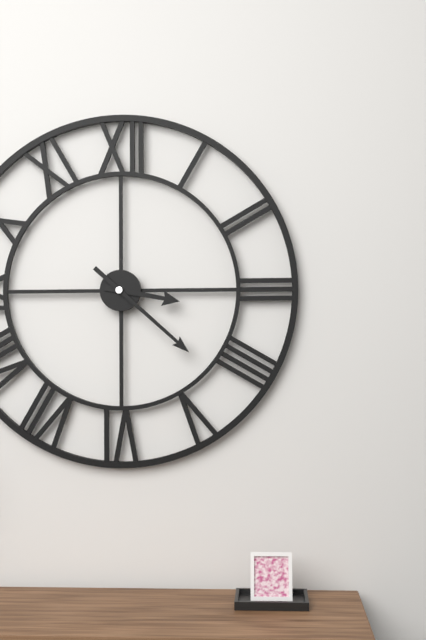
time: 3:22
